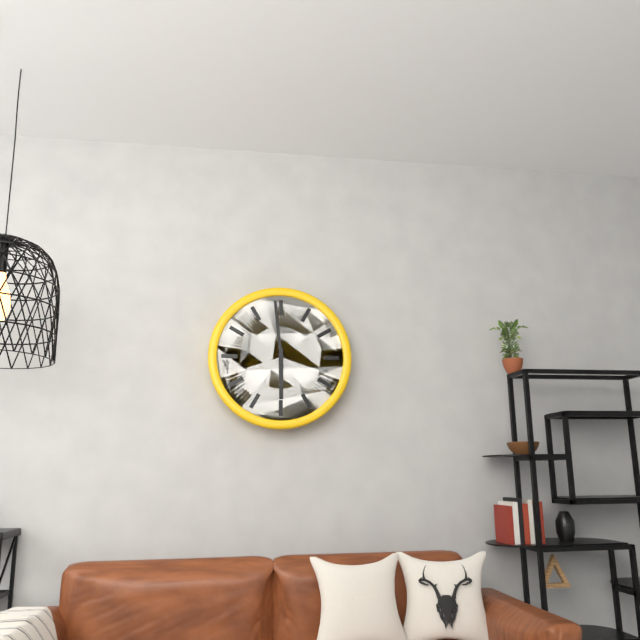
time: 5:59
